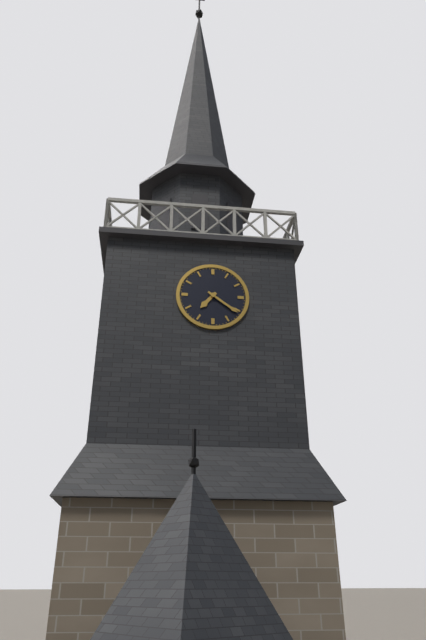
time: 7:21
